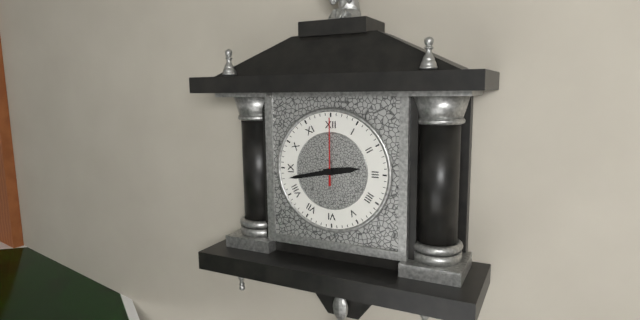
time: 2:43:00
